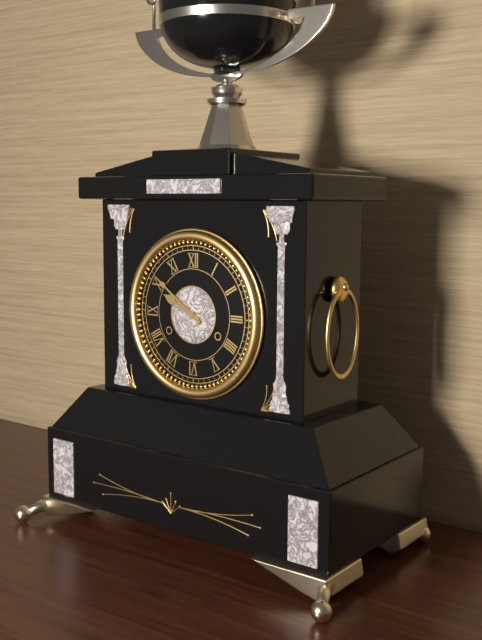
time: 9:51
